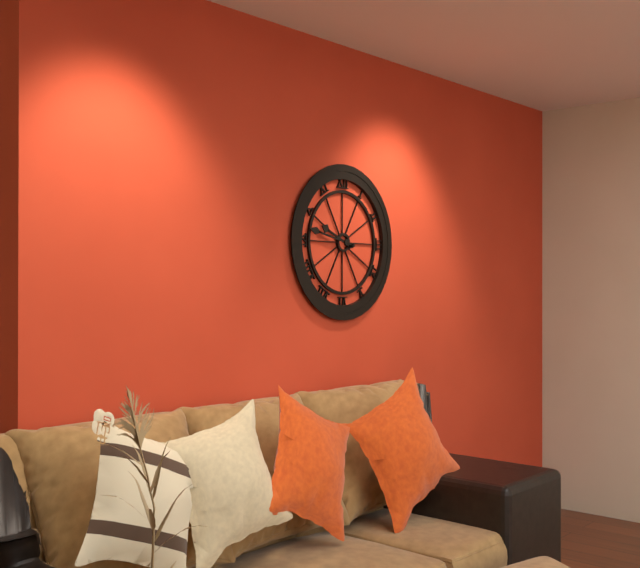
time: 9:47
